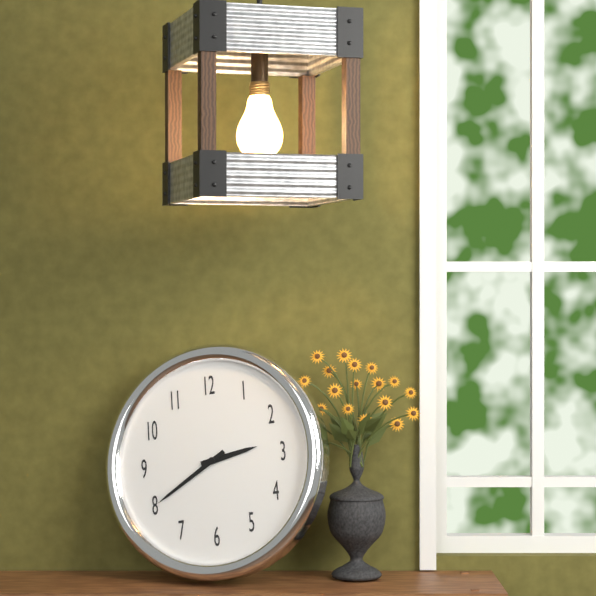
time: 2:40
